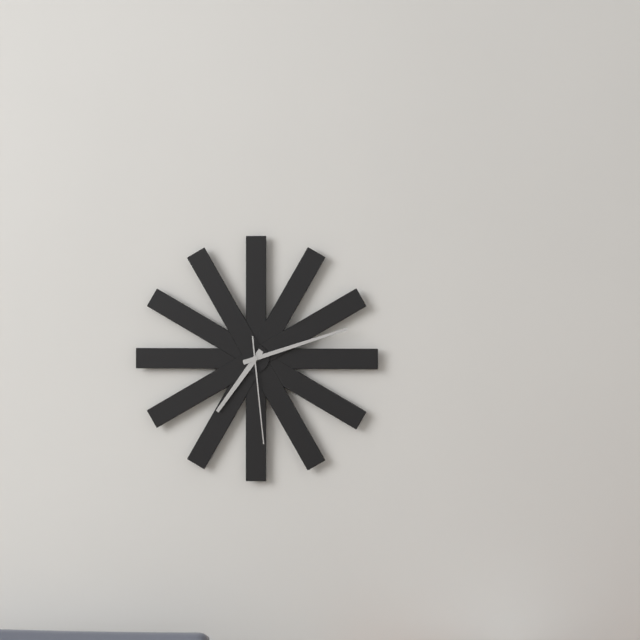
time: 7:12:29
